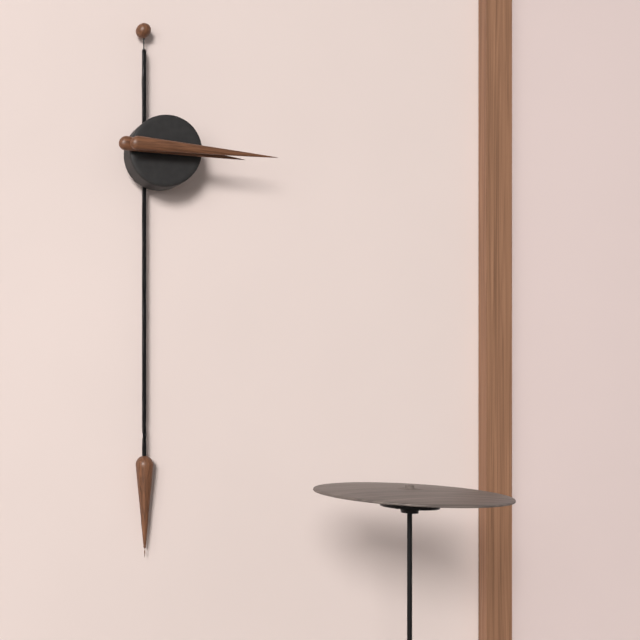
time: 3:16
